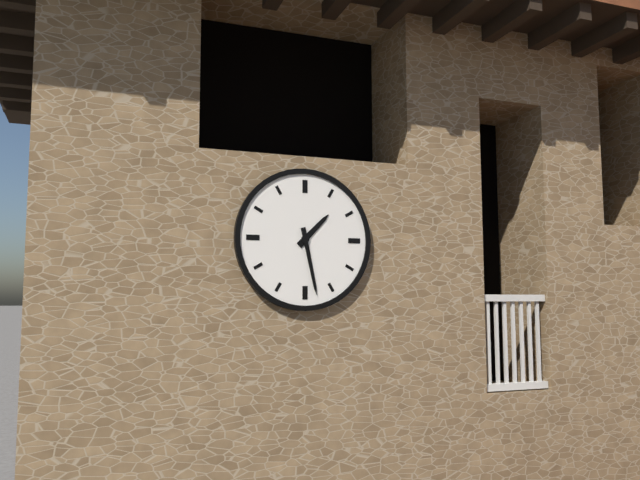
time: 1:28
